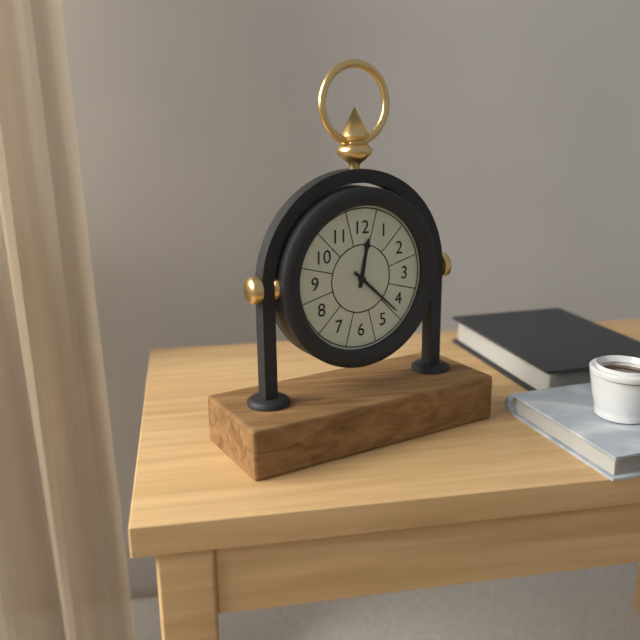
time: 12:22
